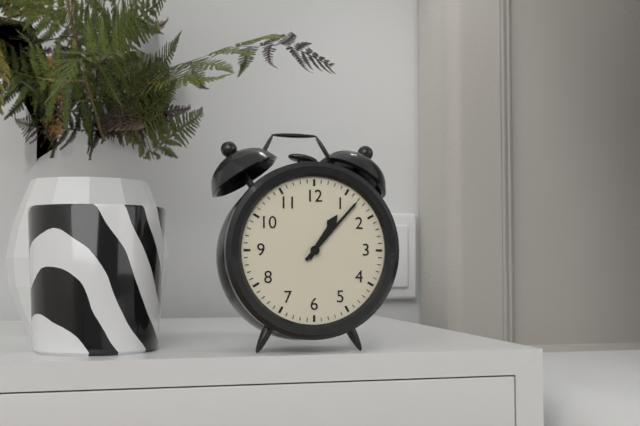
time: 1:07
